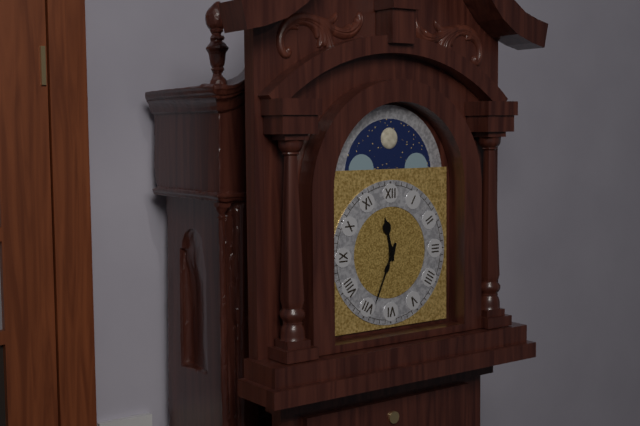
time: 11:34
